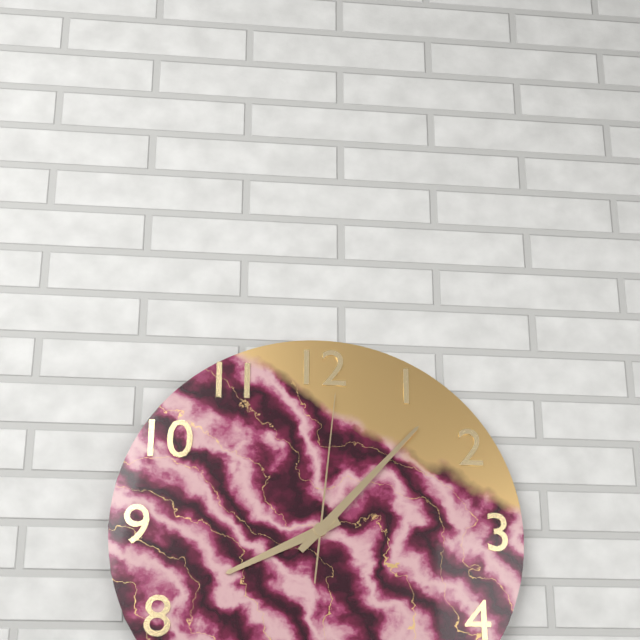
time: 8:07:01
